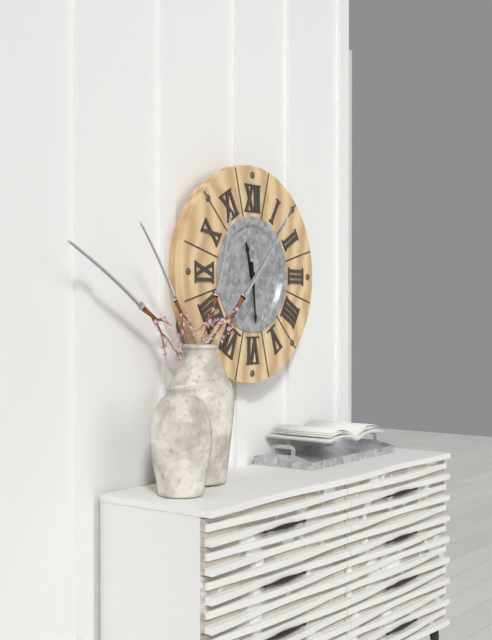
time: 11:29
